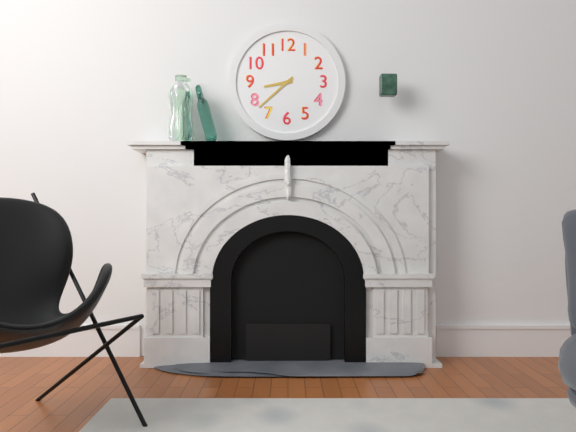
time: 8:38
